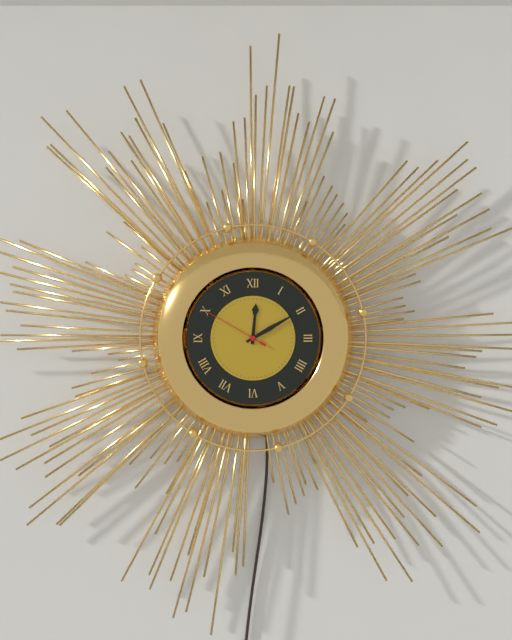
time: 12:10:50
